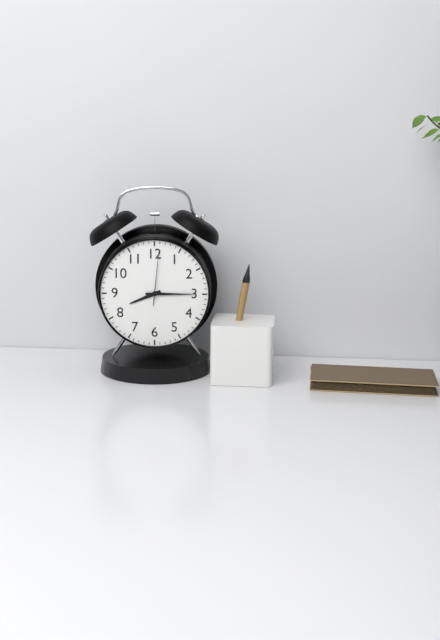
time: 8:15:01
